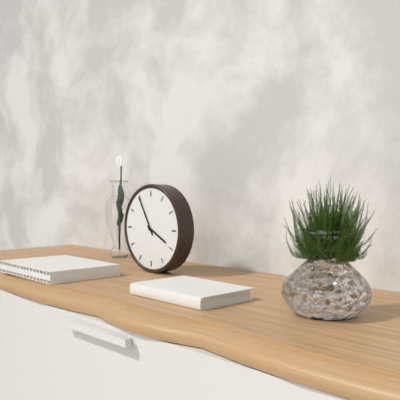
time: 3:55
